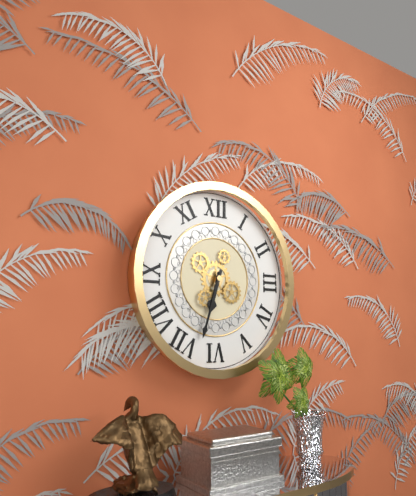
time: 6:33
